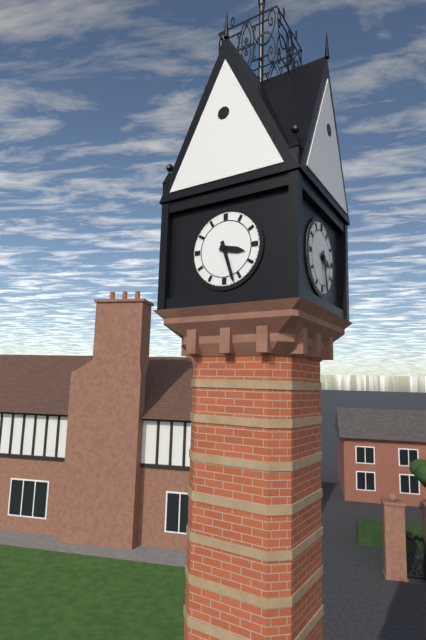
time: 3:27
